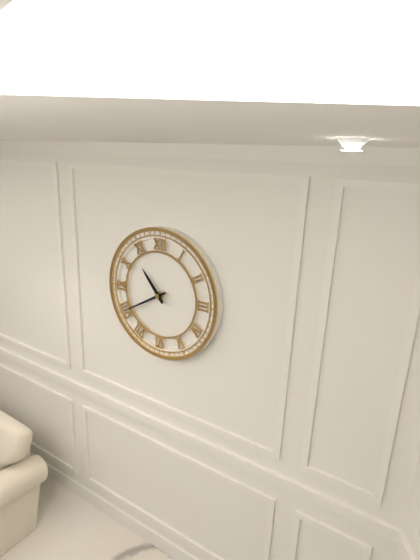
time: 10:40
